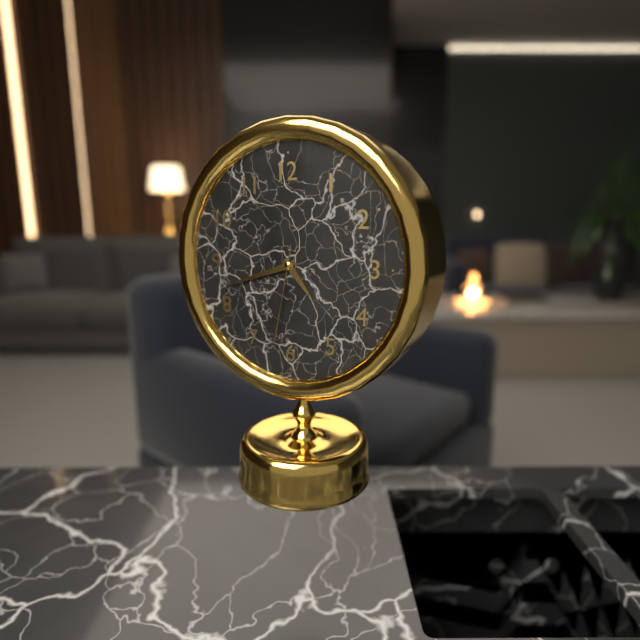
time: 4:42:32
